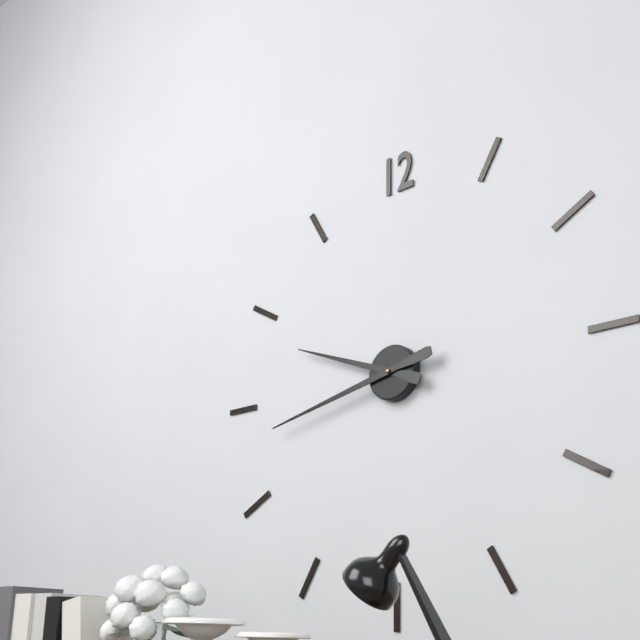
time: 9:43
